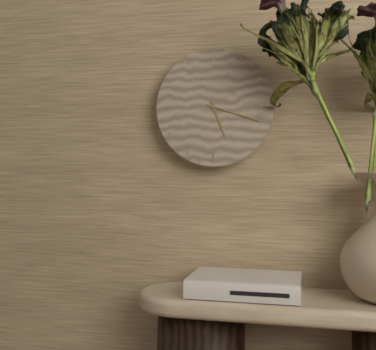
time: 5:18
